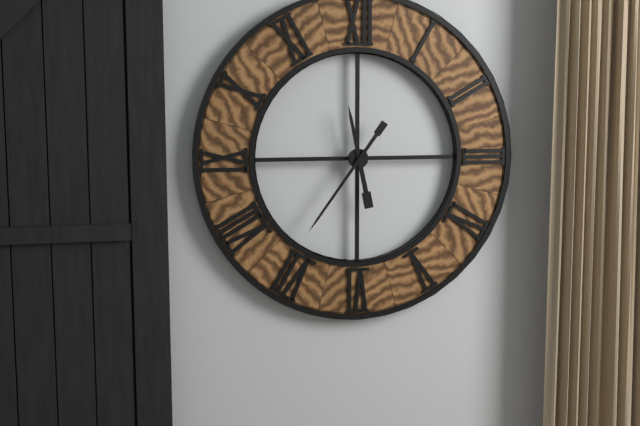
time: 11:36
